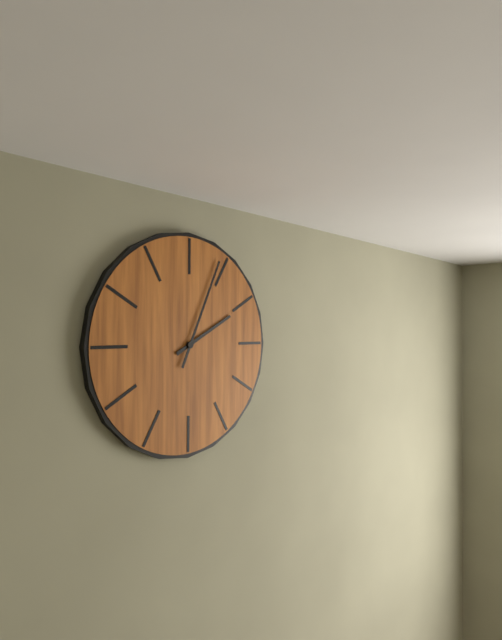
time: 2:04
